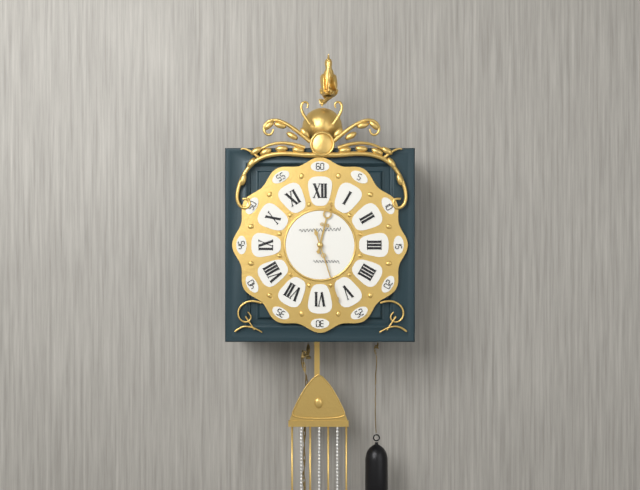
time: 12:27
